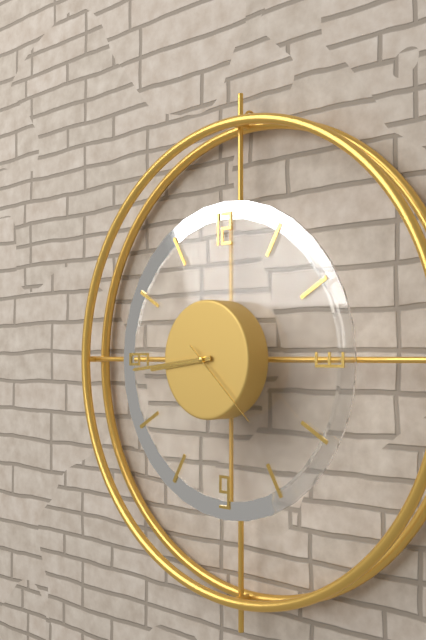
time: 8:44:22
